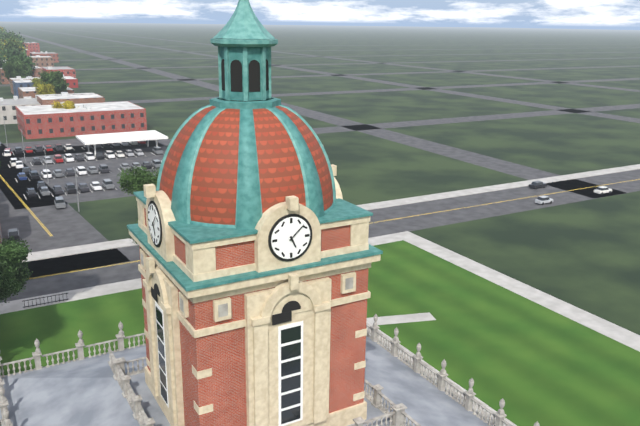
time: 5:08
